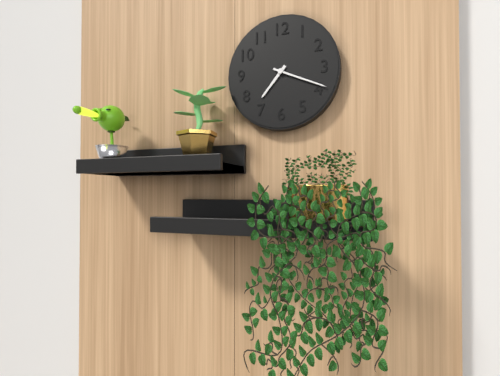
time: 7:19
